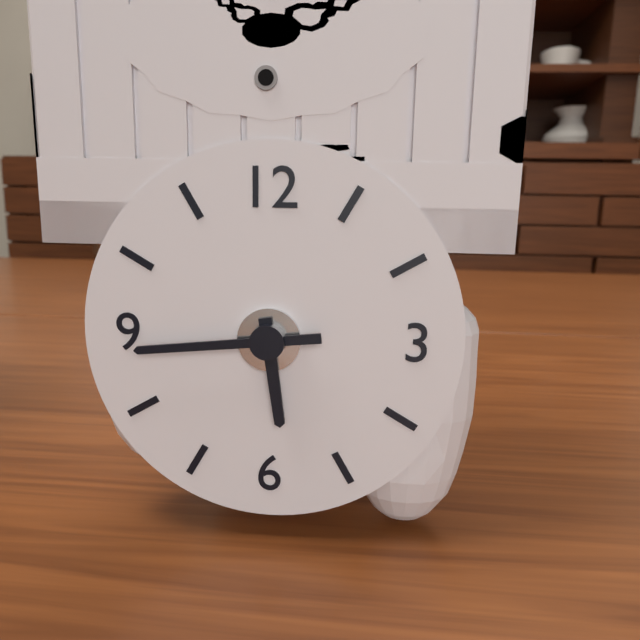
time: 5:44
